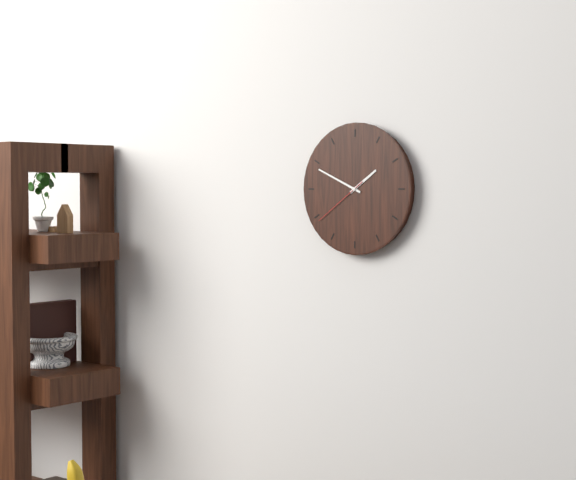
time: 1:49:39
